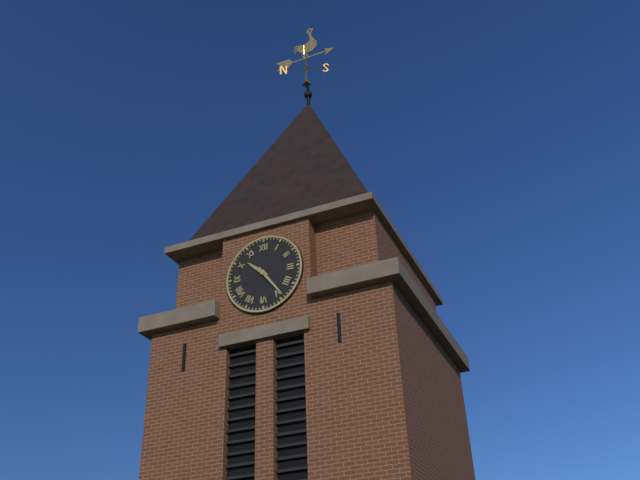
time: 10:24
